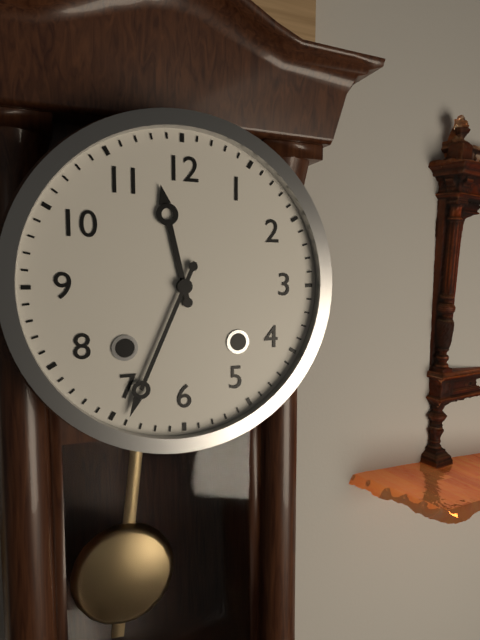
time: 11:34
